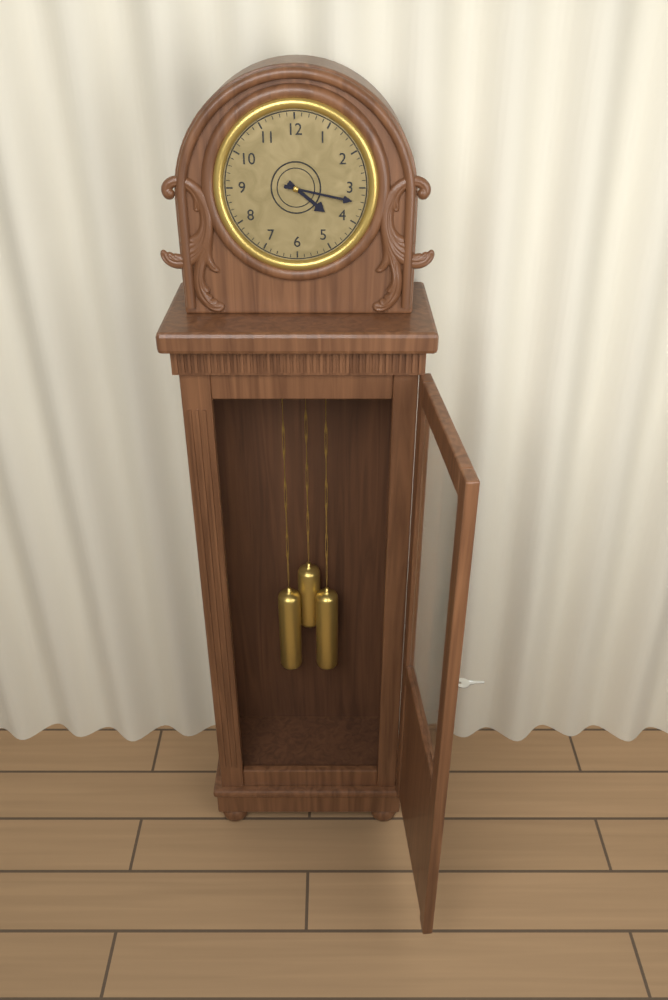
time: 4:17
